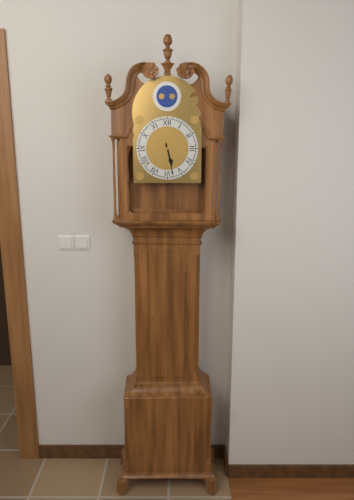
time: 5:28
